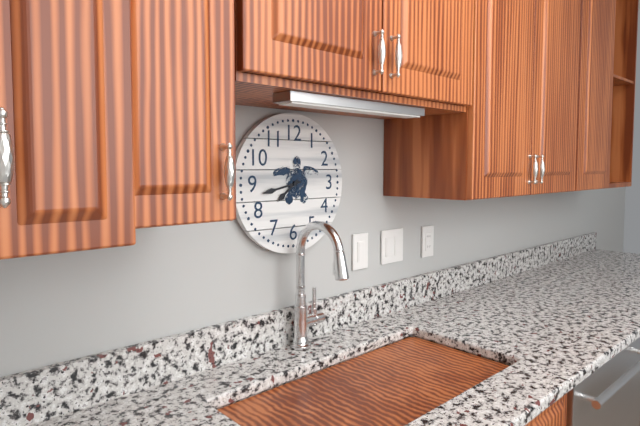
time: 7:43
